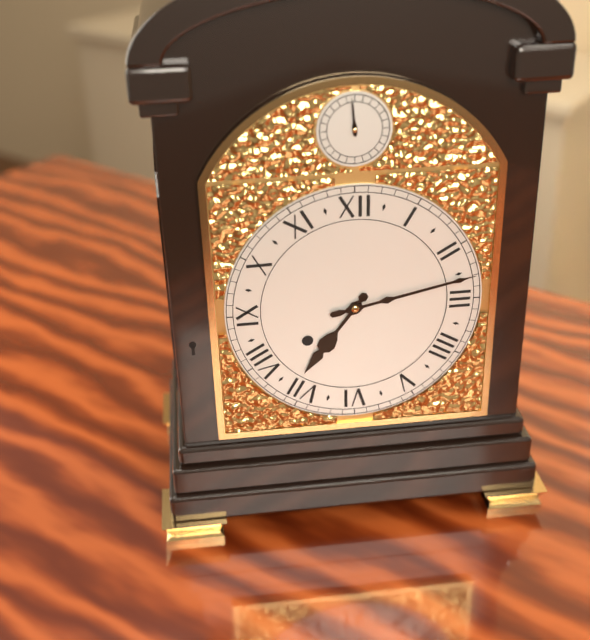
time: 7:13
